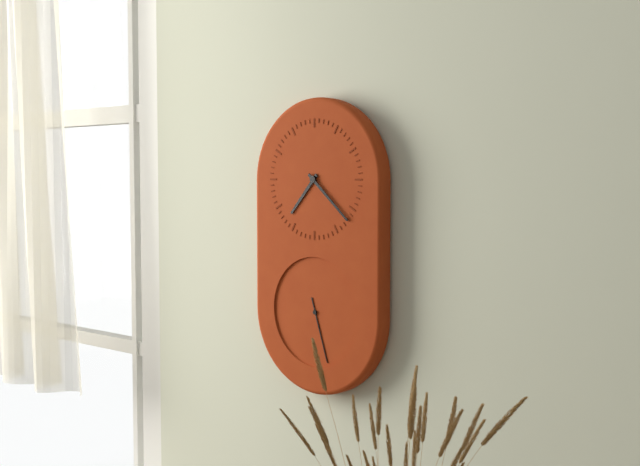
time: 7:22:27
